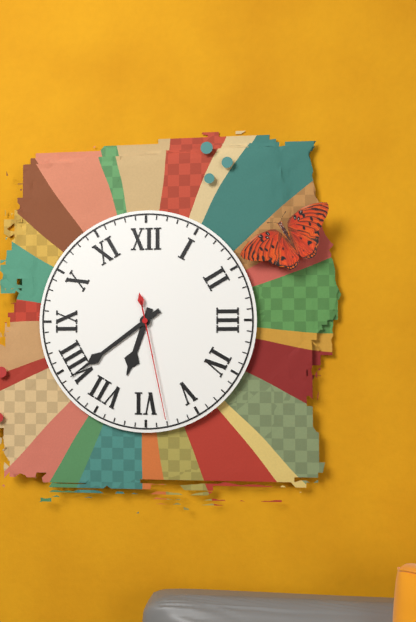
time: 6:39:28
